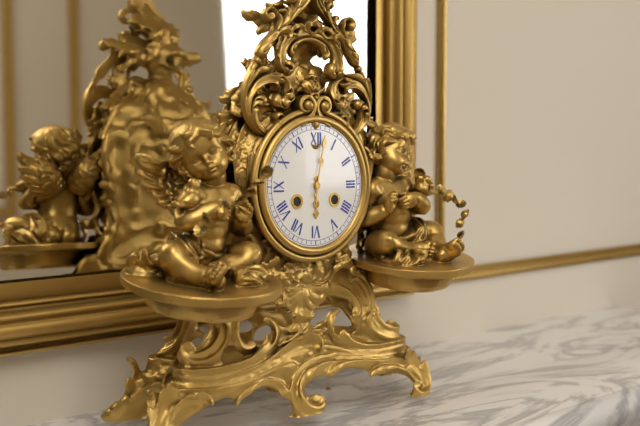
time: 6:02
